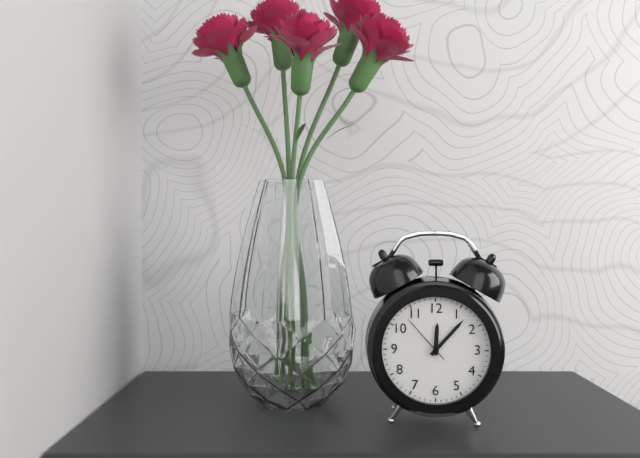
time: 12:07:53
